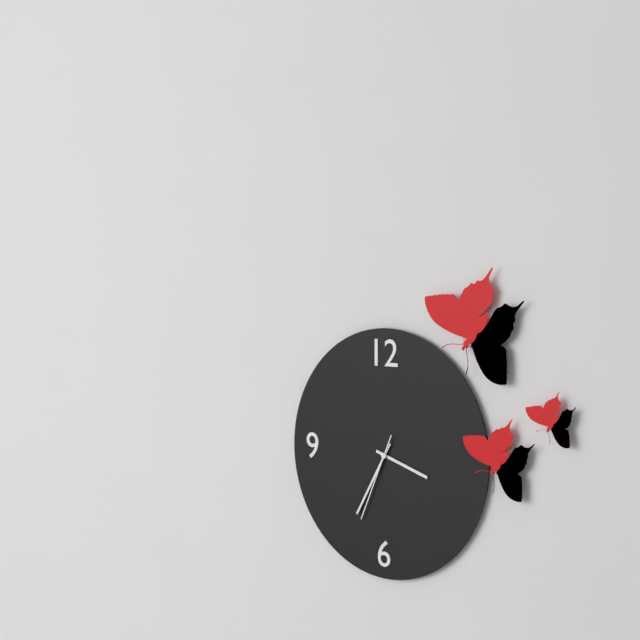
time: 3:35:34
